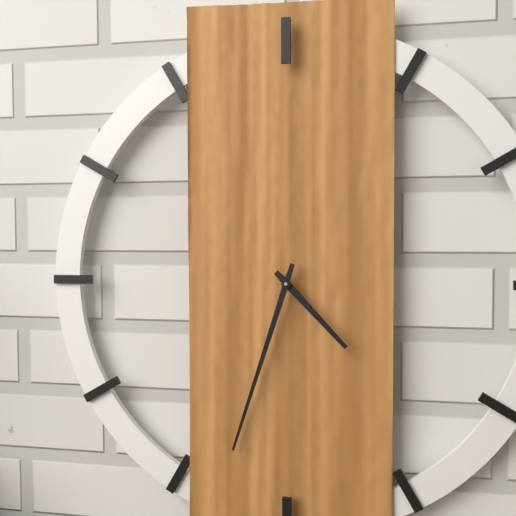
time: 4:33
